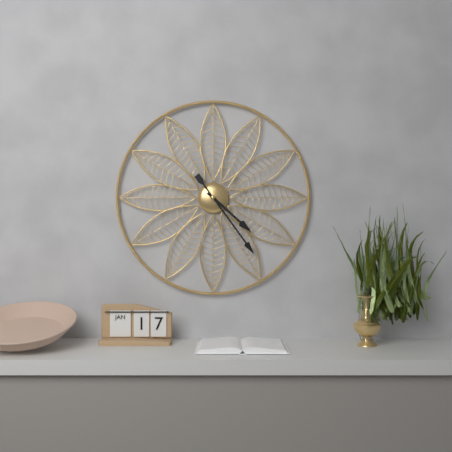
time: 4:24
